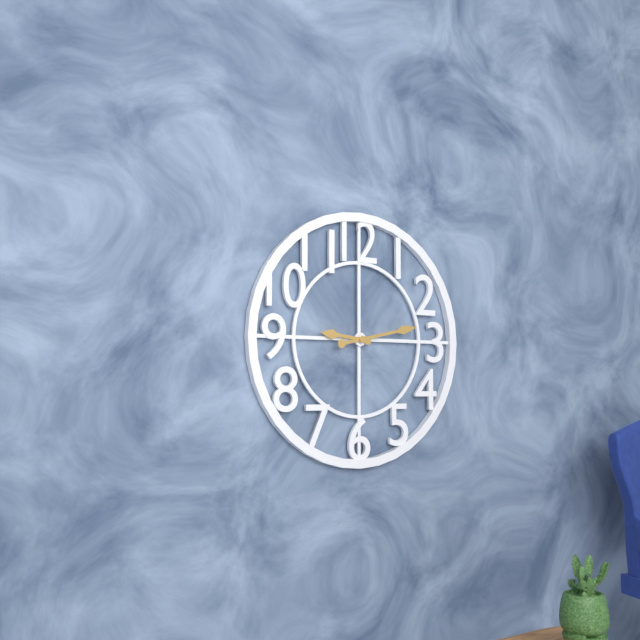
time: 9:13
